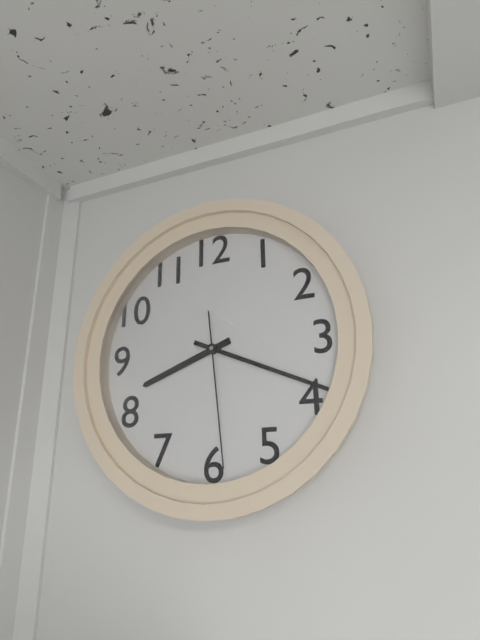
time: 8:19:29
